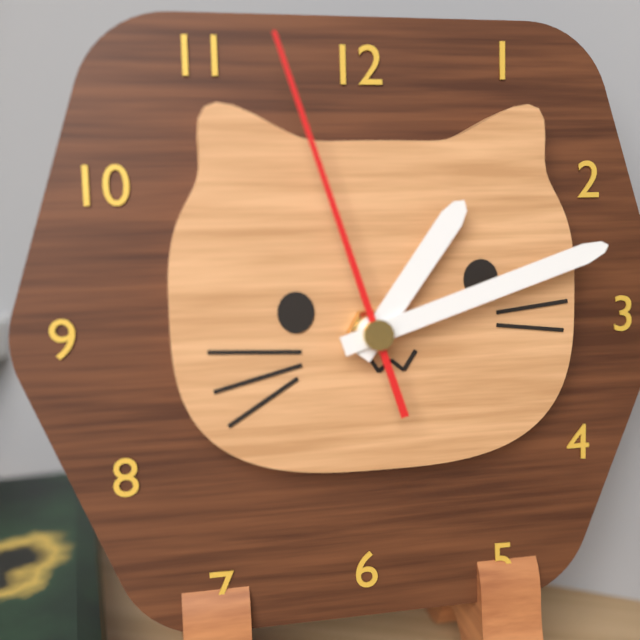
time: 1:12:57
